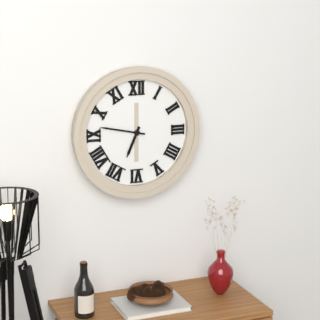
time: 6:47
